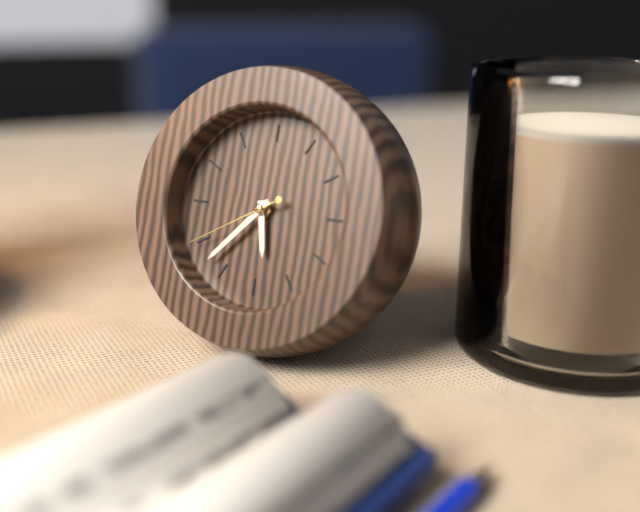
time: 5:37:40
